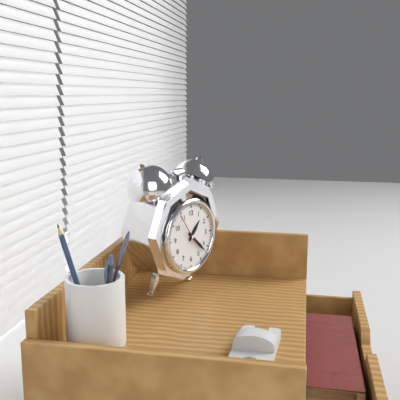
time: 1:22
